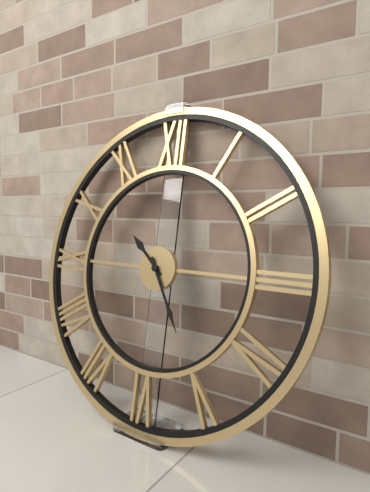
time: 10:25
